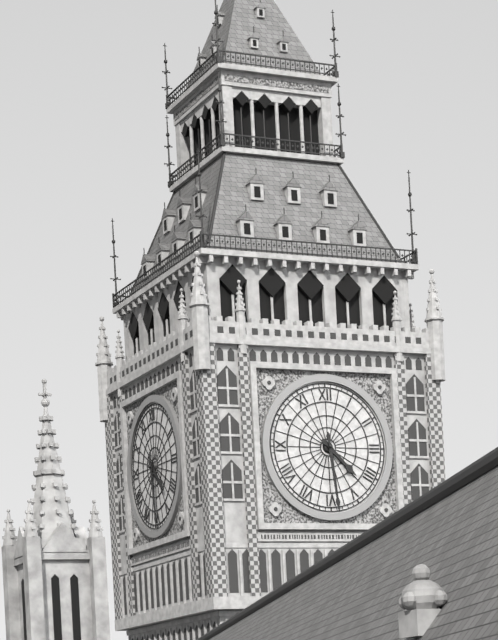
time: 4:29
